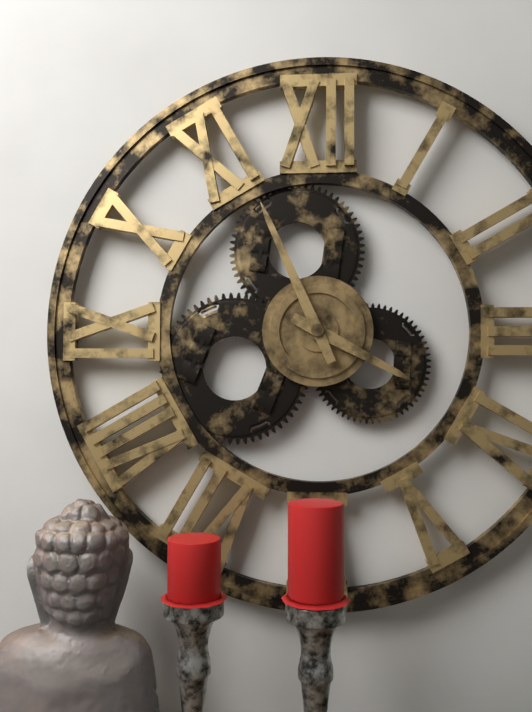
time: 3:56
